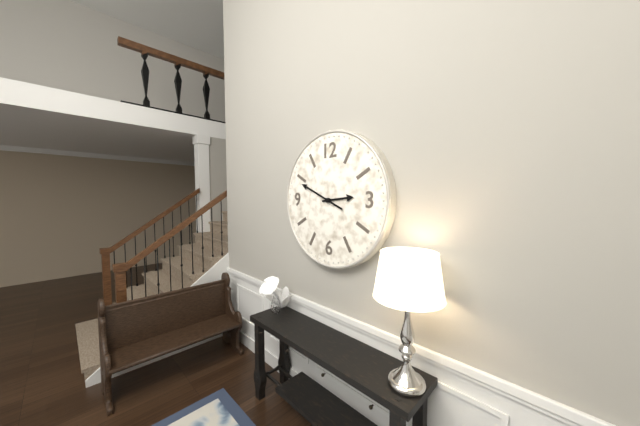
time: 2:49
